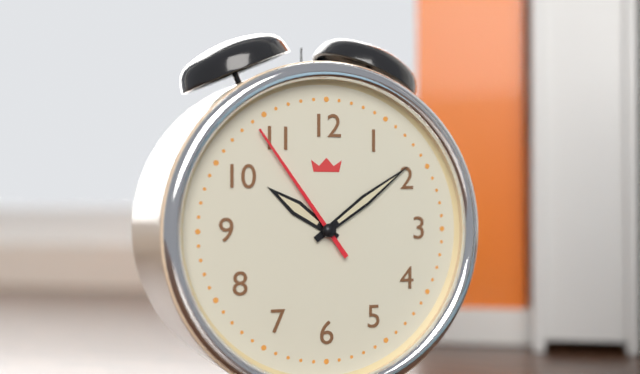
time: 10:09:54
